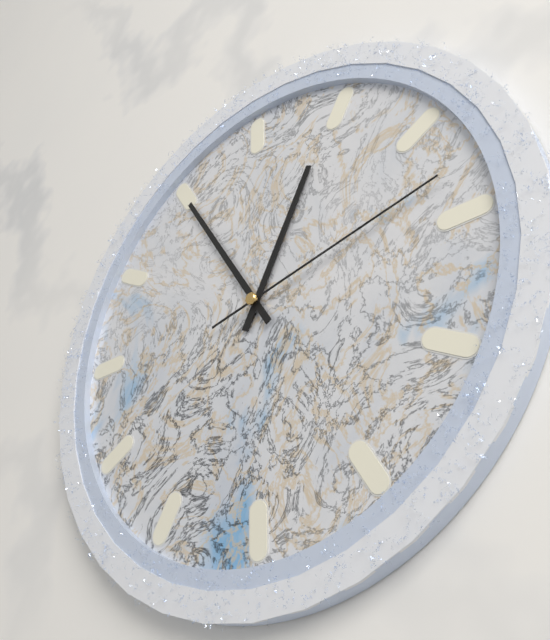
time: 12:55:13
